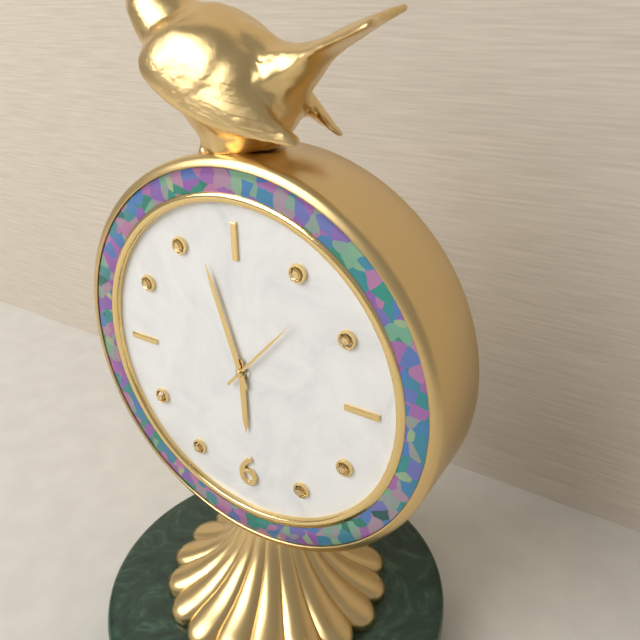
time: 5:57:07
